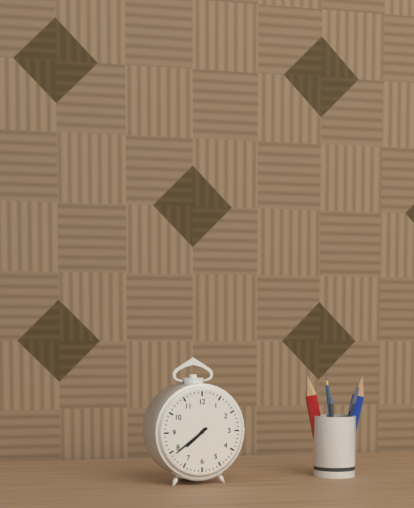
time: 7:39
